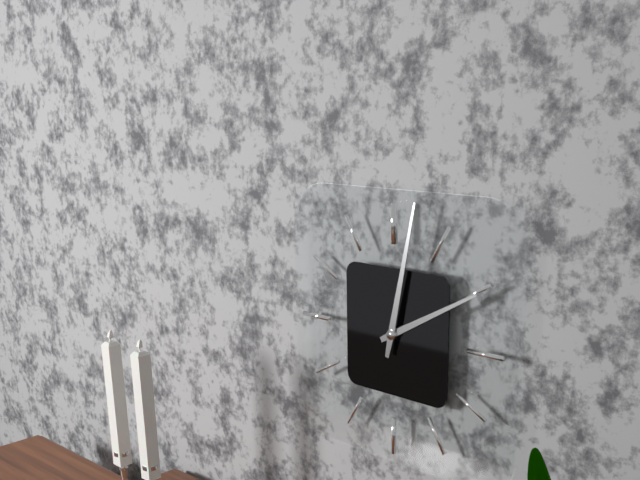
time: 2:02
